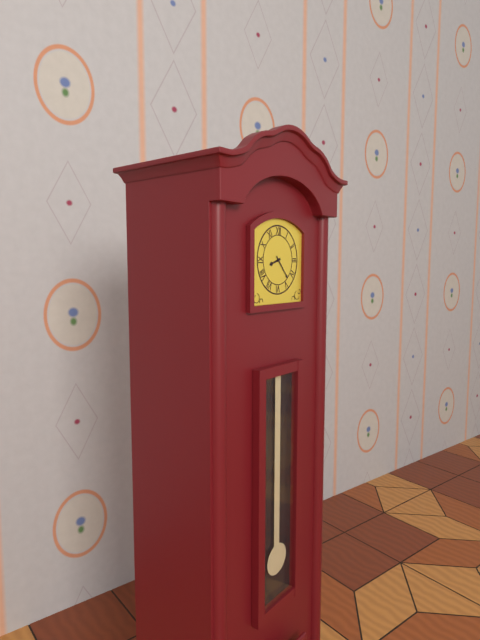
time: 8:23
